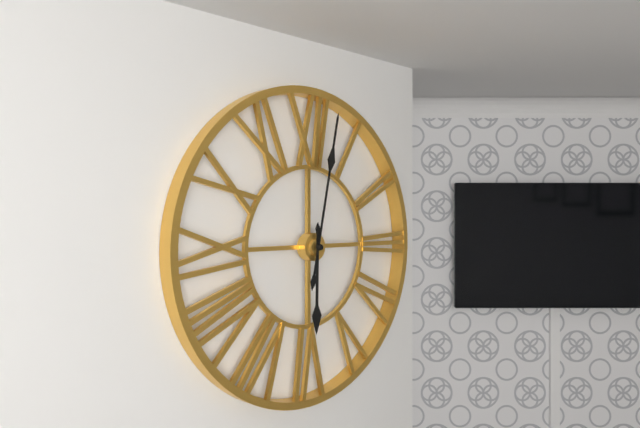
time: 6:02
